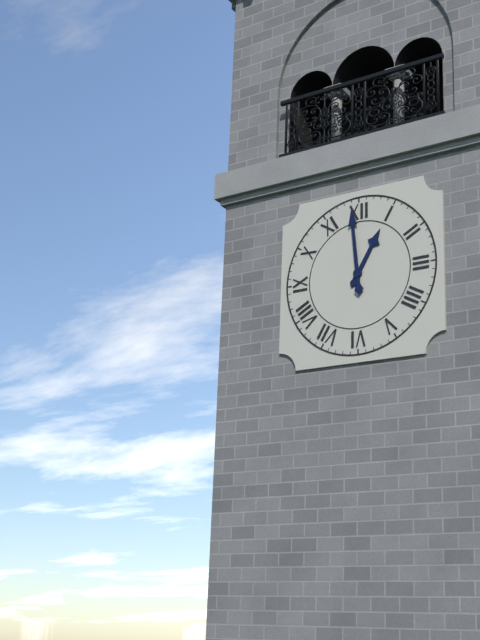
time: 12:59
